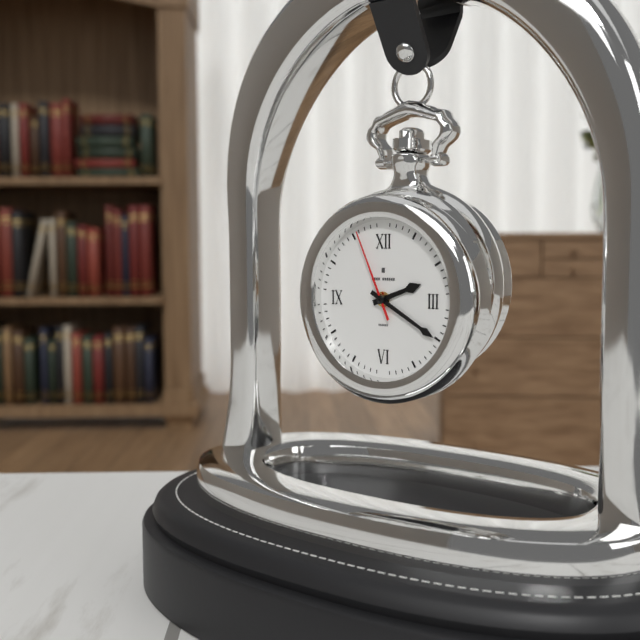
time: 2:20:56
